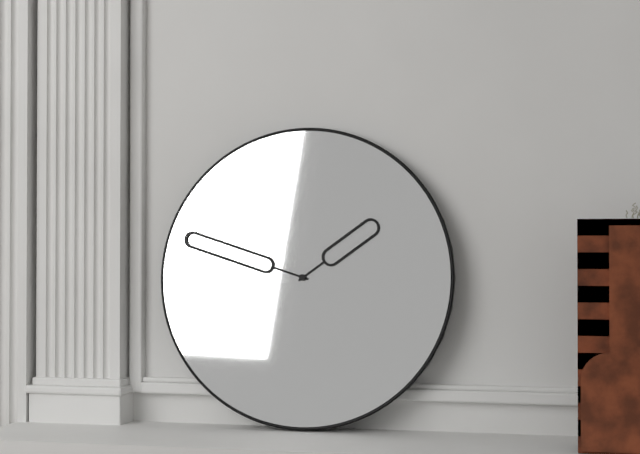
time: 1:48
